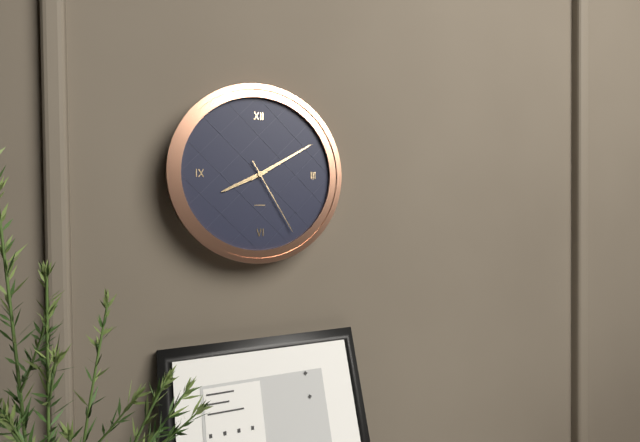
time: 8:10:25
